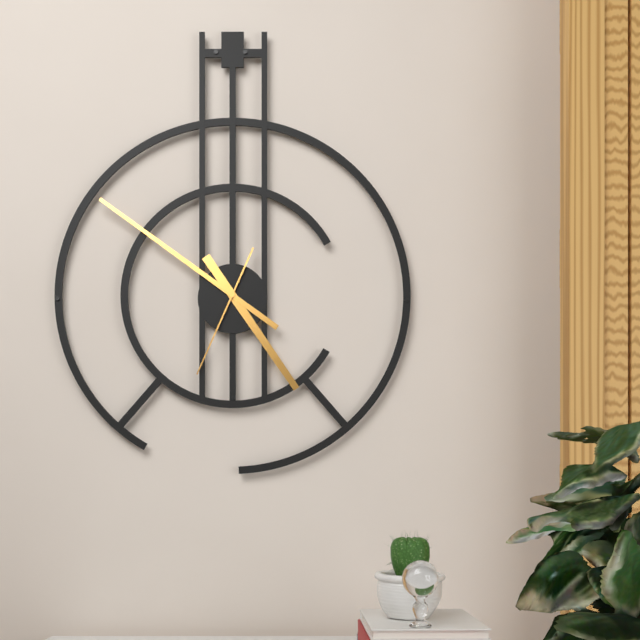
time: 4:51:34
